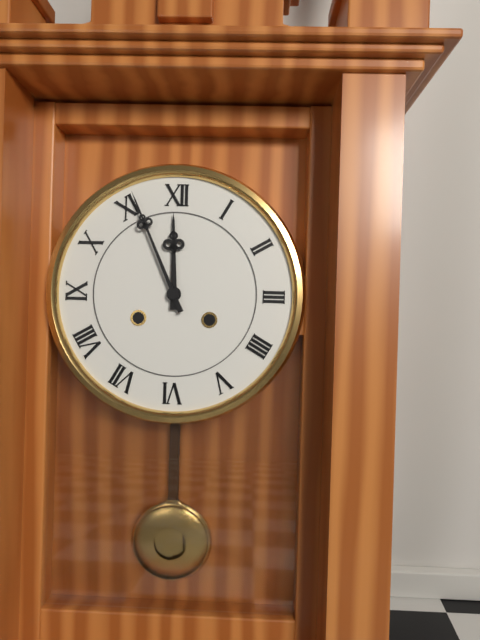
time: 11:56
